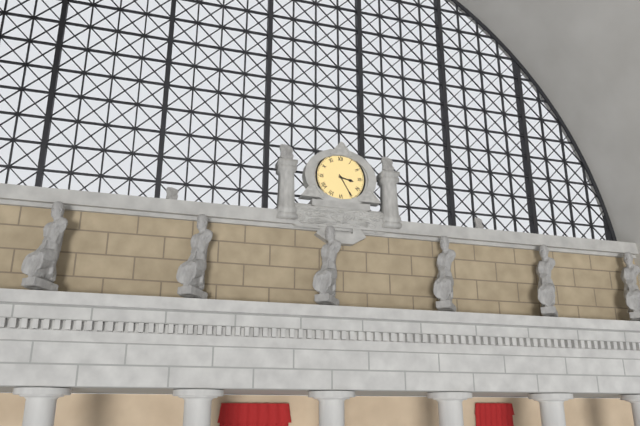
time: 3:25
